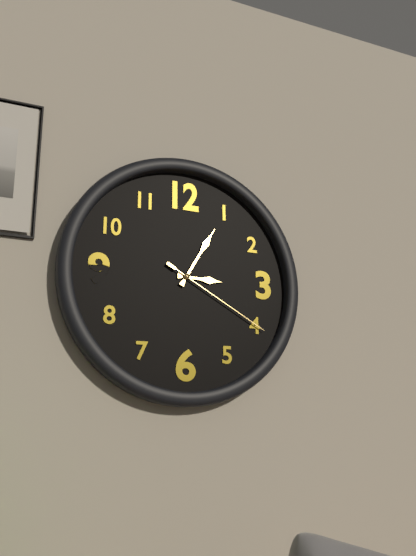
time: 3:05:20
